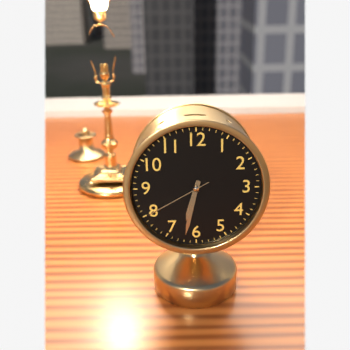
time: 6:32:40
